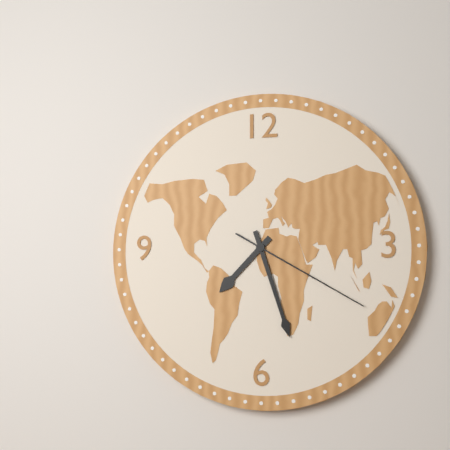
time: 7:27:20
